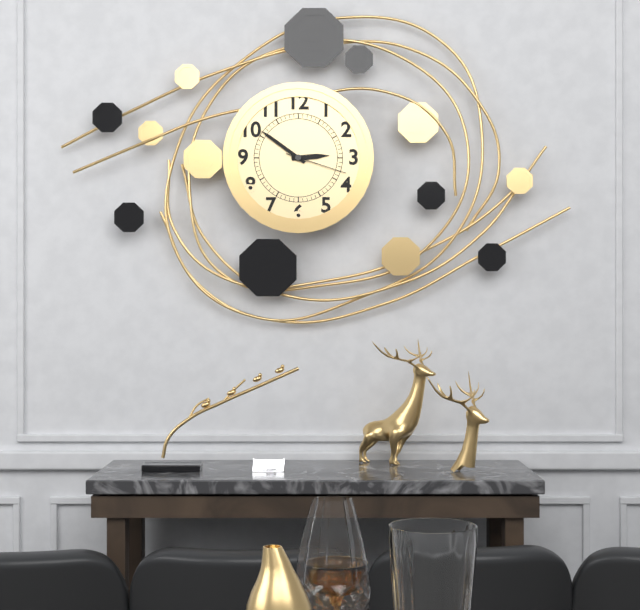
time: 2:51:18
